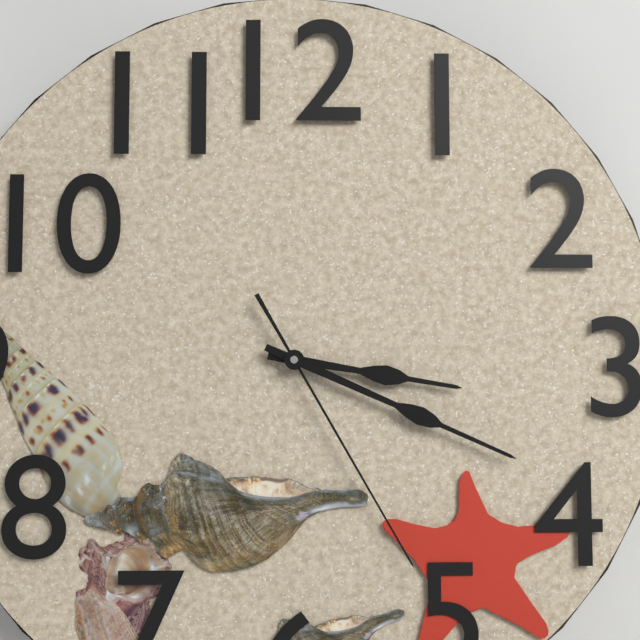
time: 3:19:25
